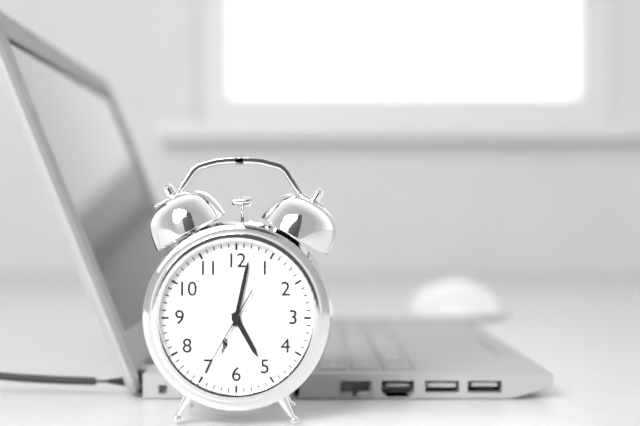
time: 5:02:35
